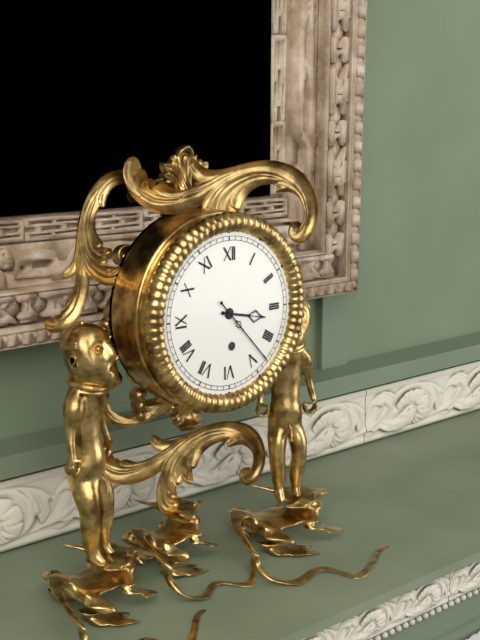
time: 3:23
